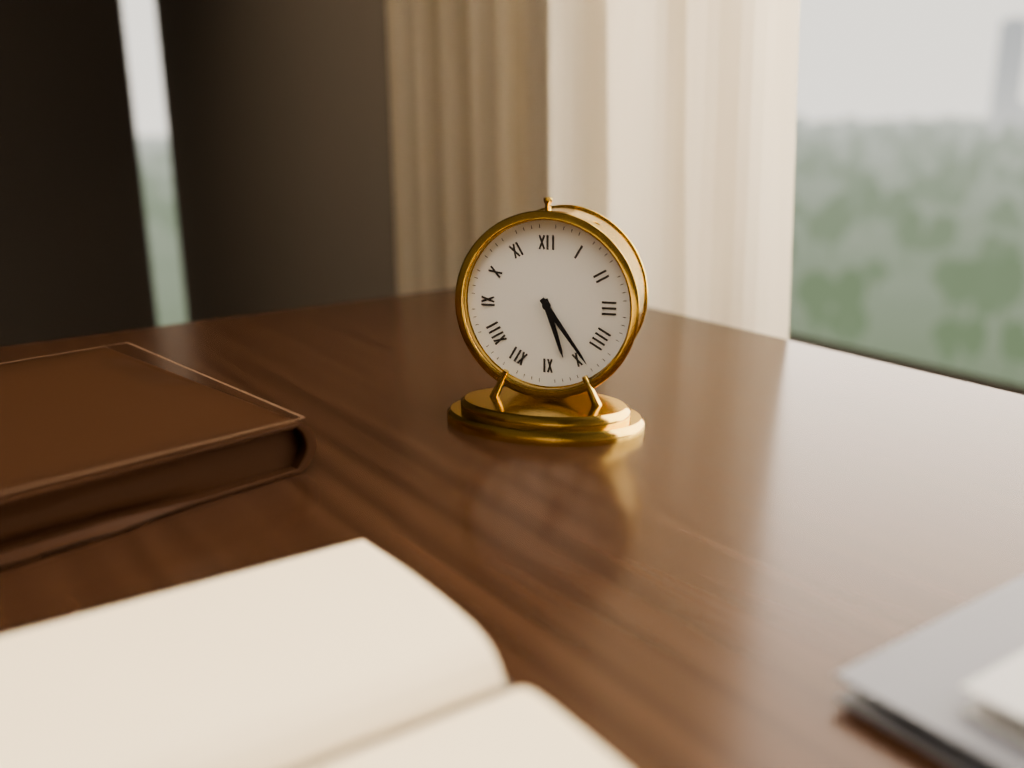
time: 5:24
